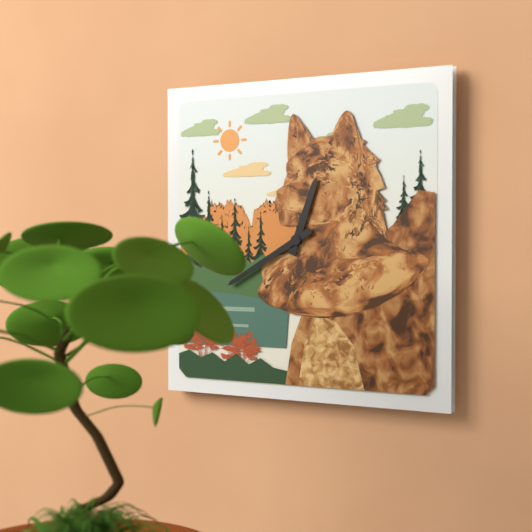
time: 12:40
